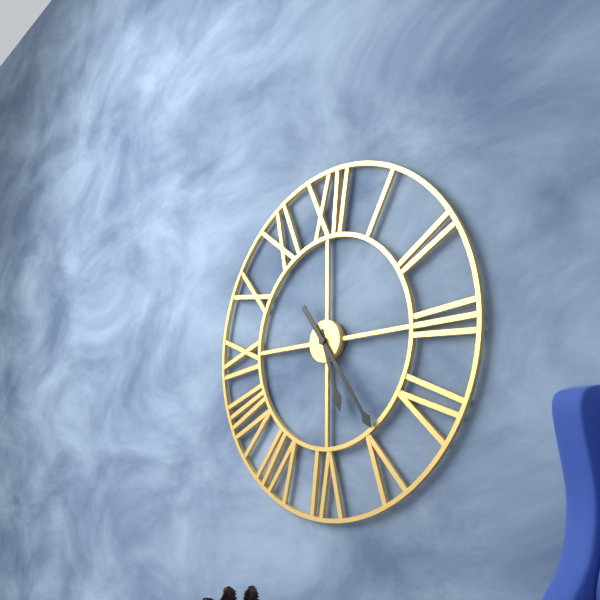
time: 5:24
